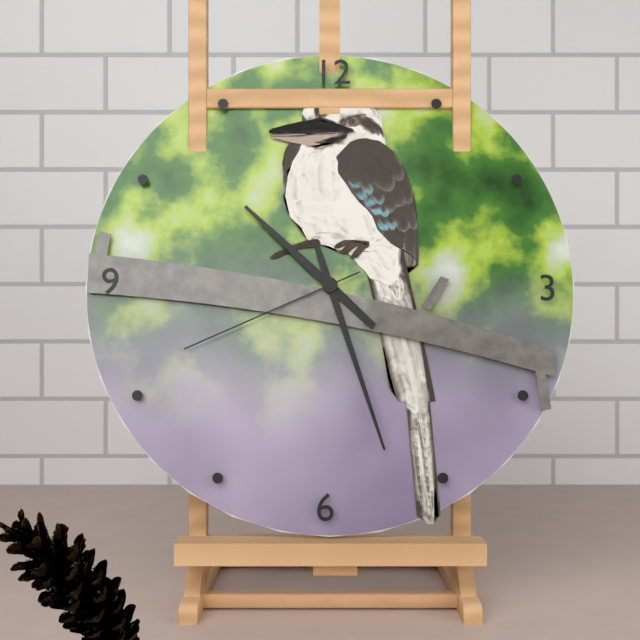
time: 10:27:41
